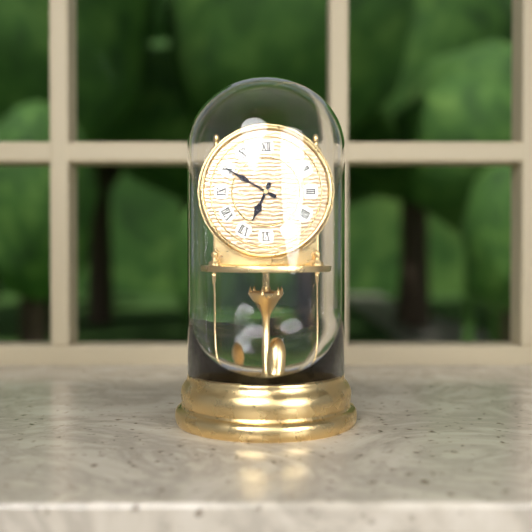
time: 6:50
